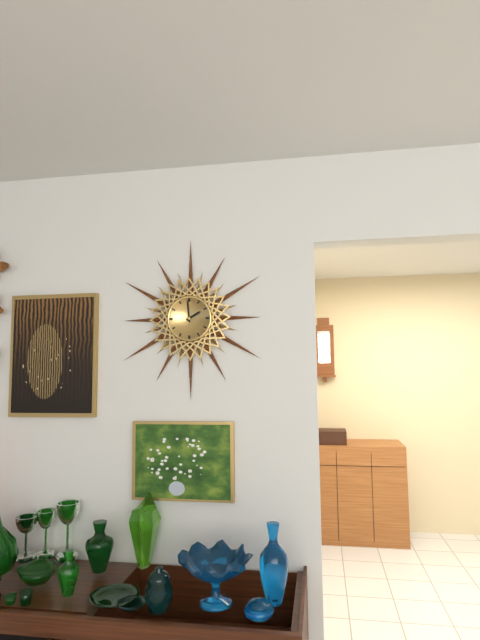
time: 1:59
